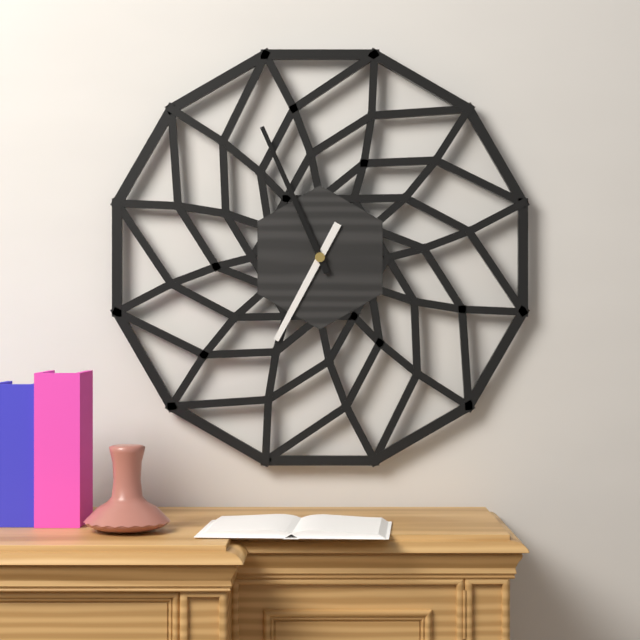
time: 6:56
